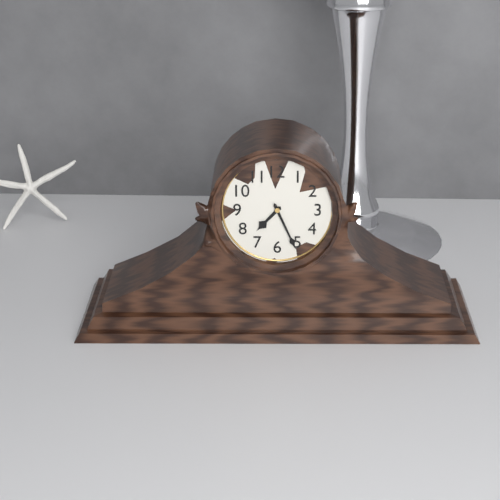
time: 7:26
